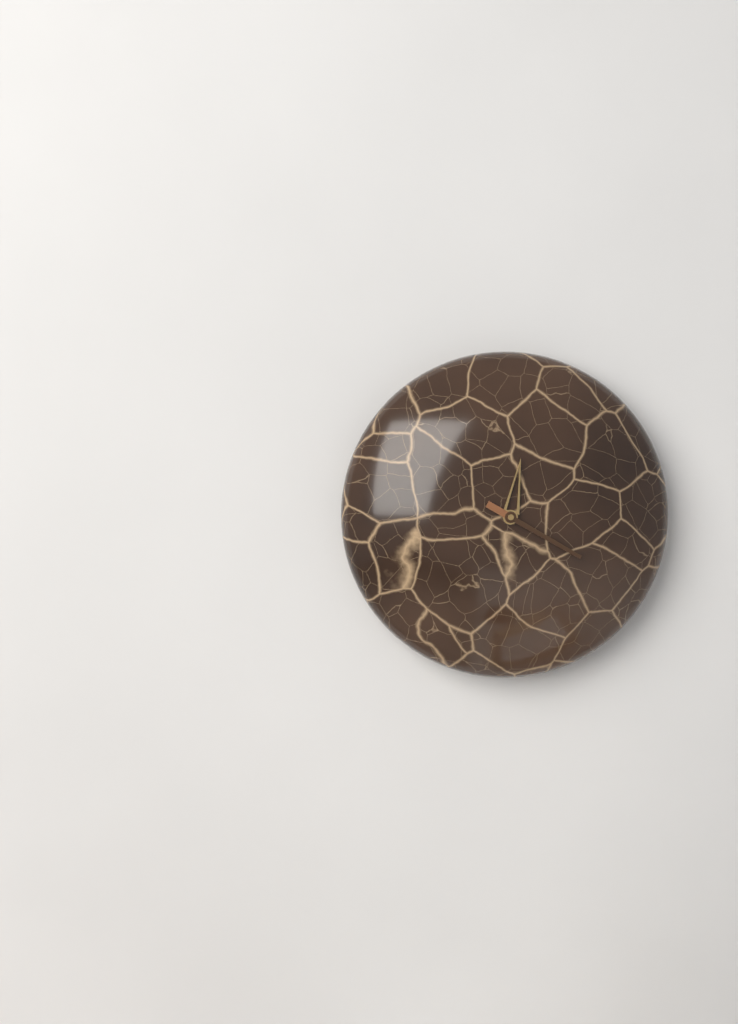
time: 12:20
